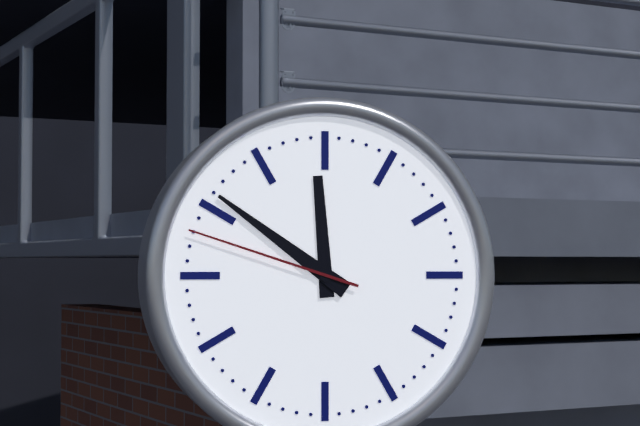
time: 11:51:48
